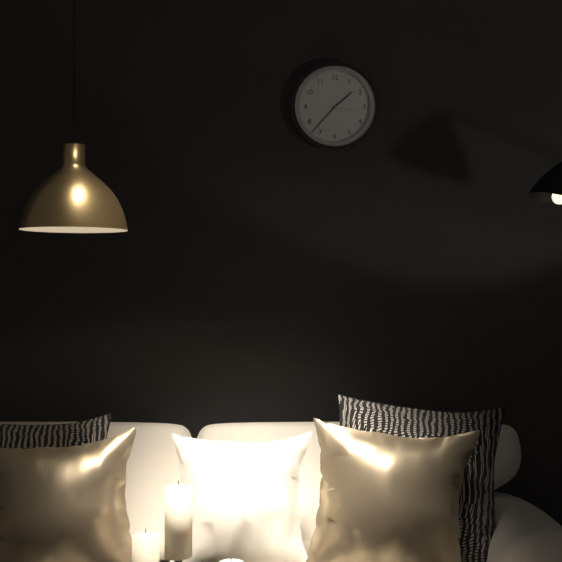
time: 1:37
